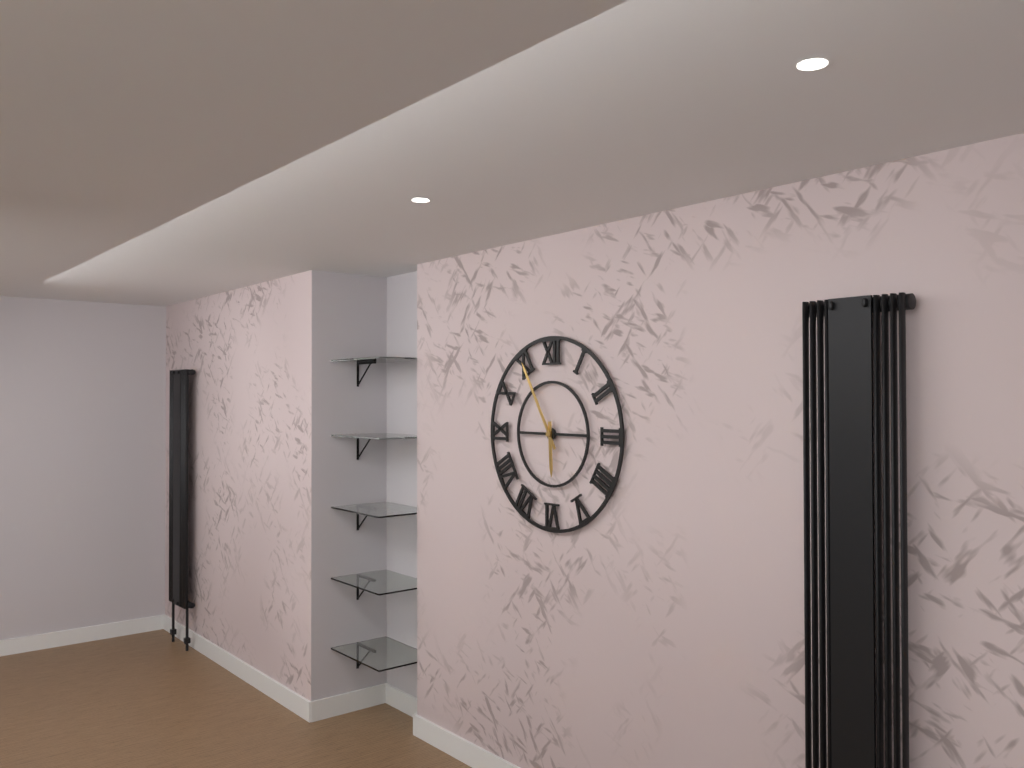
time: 5:55
